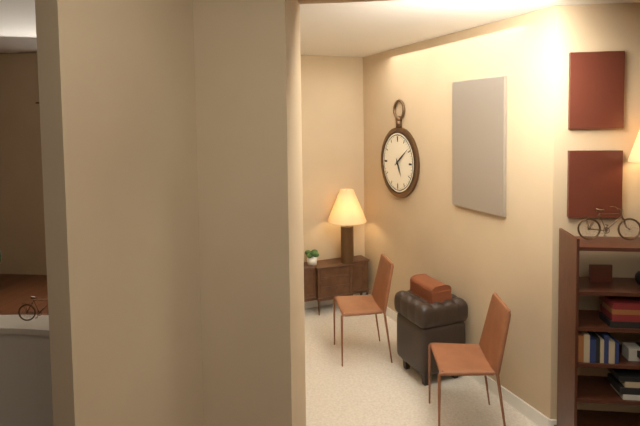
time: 5:09
